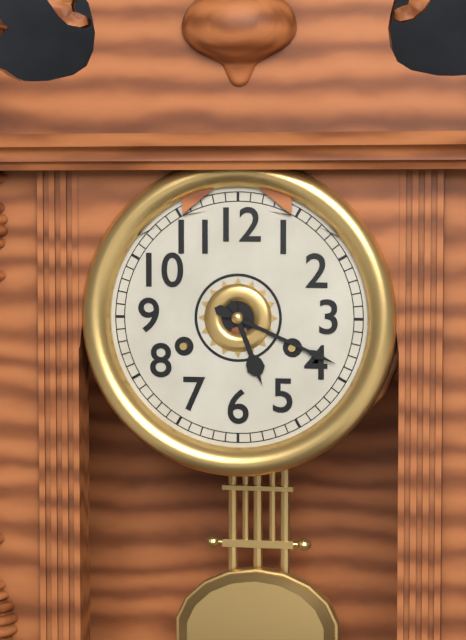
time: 5:19
